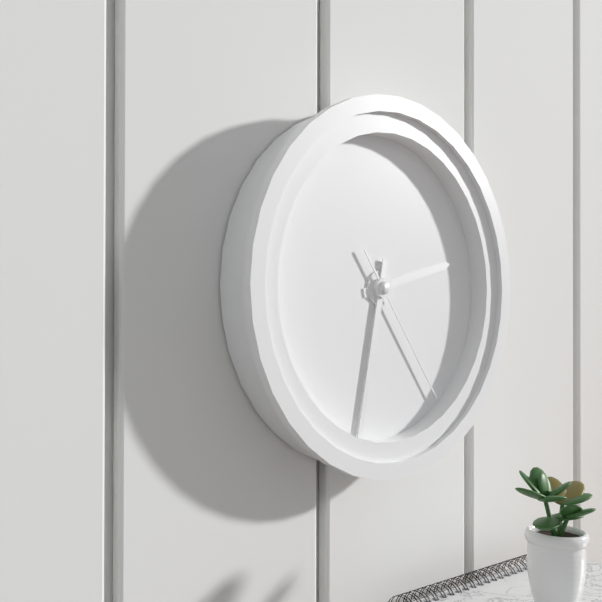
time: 2:32:24
